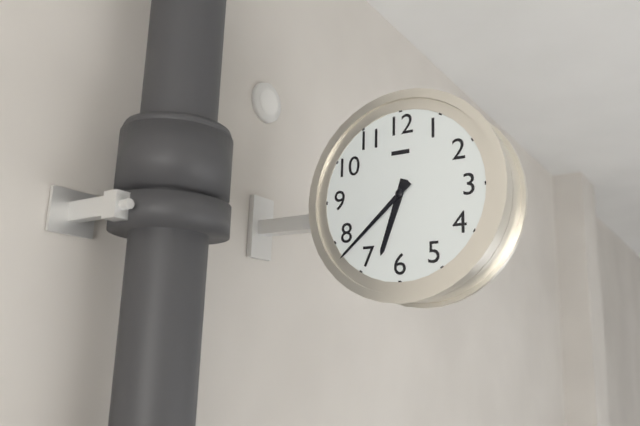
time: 6:38
